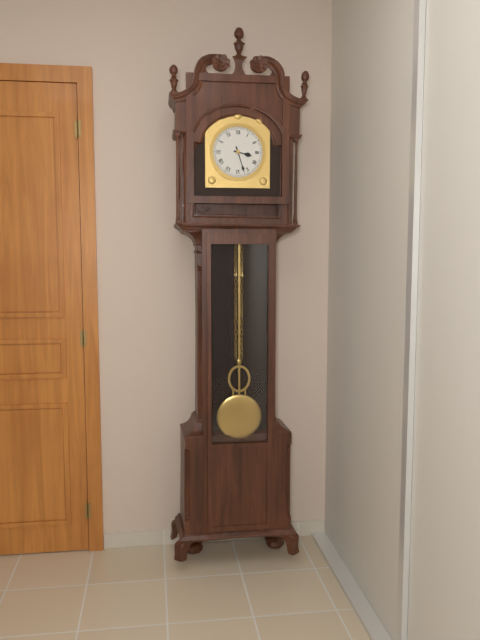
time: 3:27
